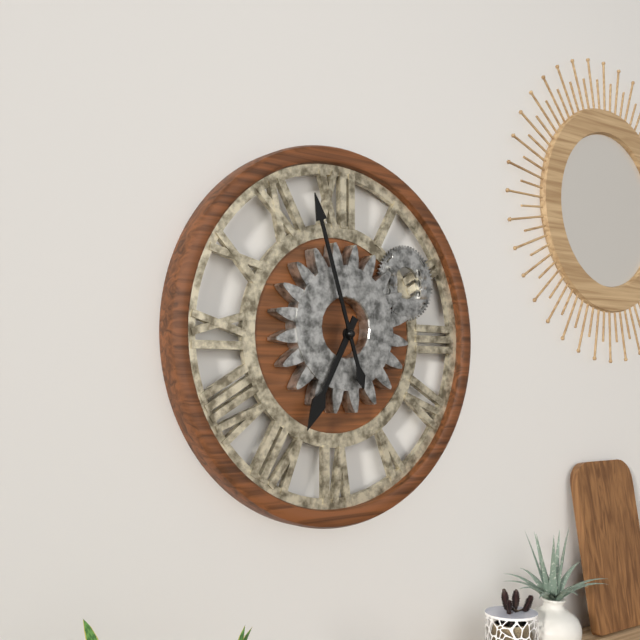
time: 6:57
